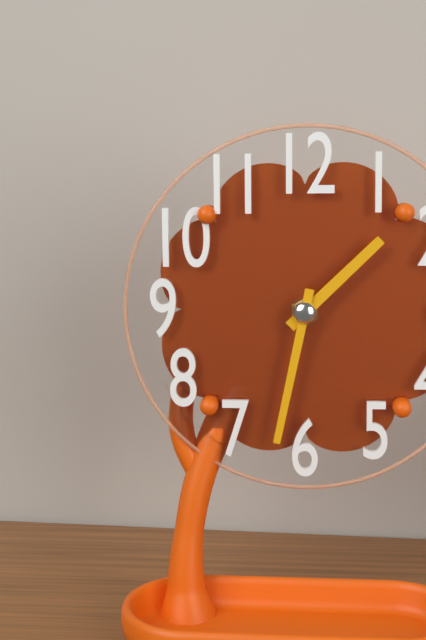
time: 1:32
